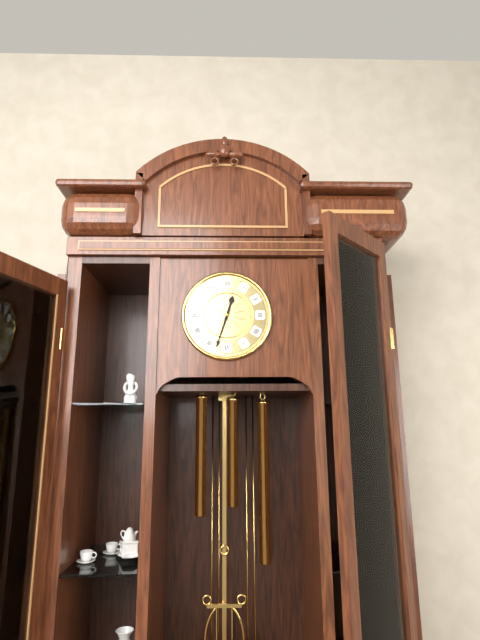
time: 12:33
